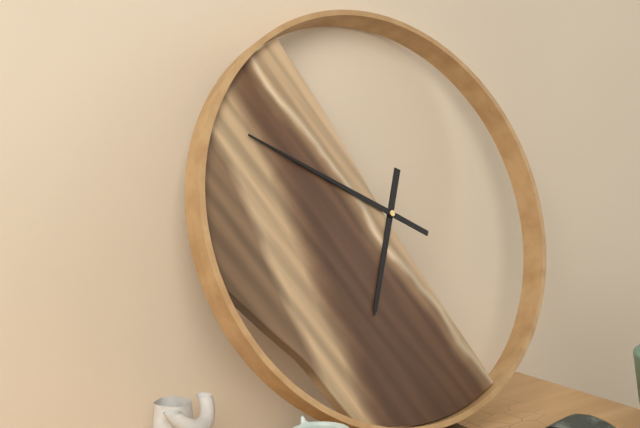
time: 6:50
